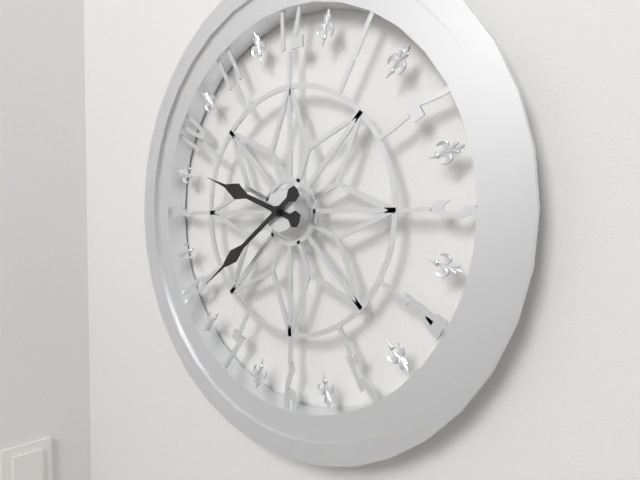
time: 9:39
